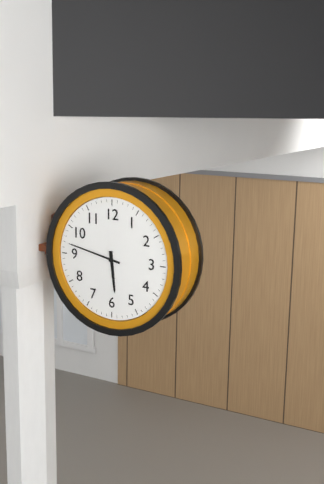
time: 5:47
